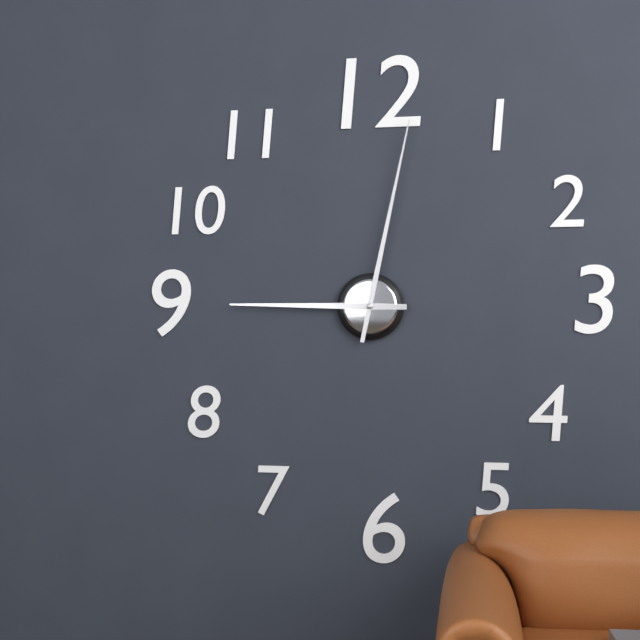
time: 9:02
